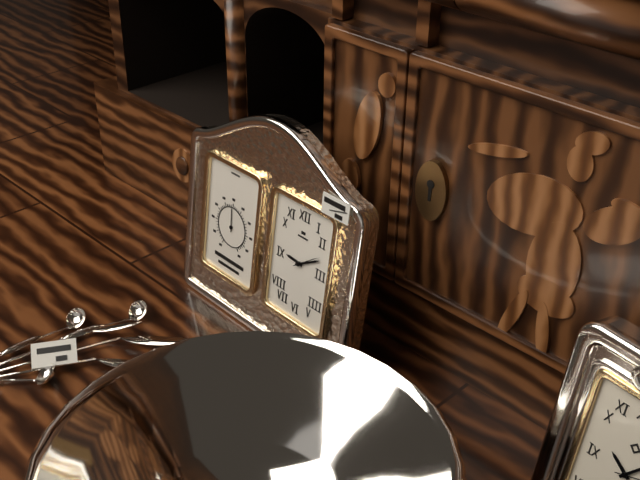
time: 9:10
